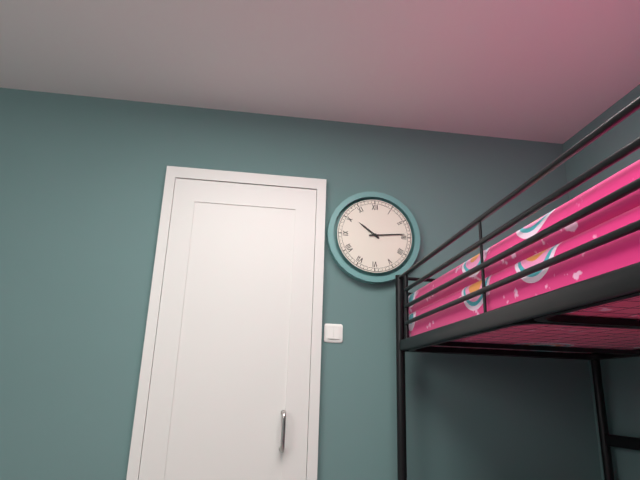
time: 10:14
